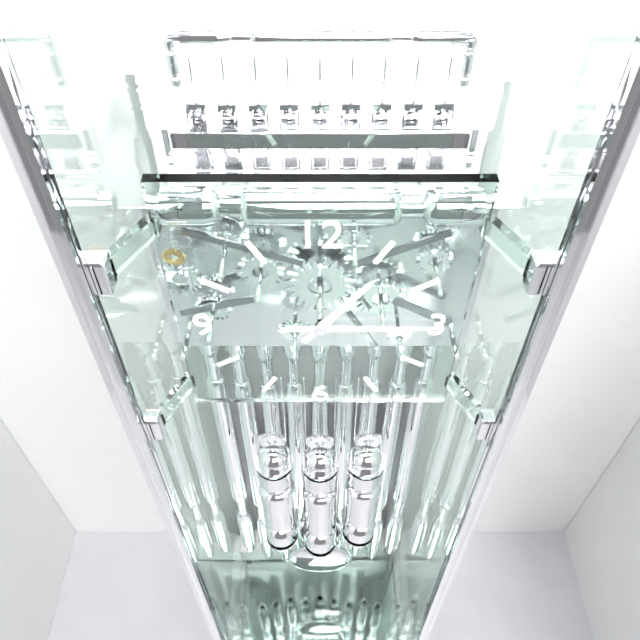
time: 1:15
